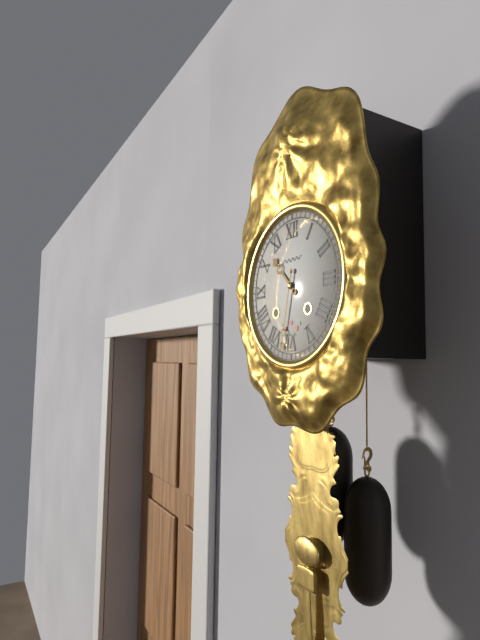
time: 10:32
